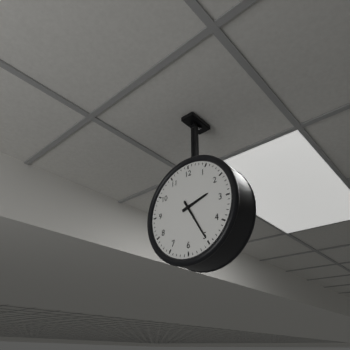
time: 2:25
